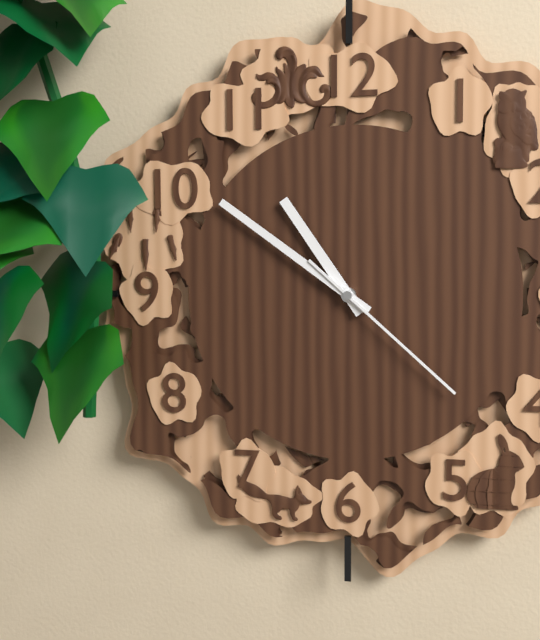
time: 10:51:22
